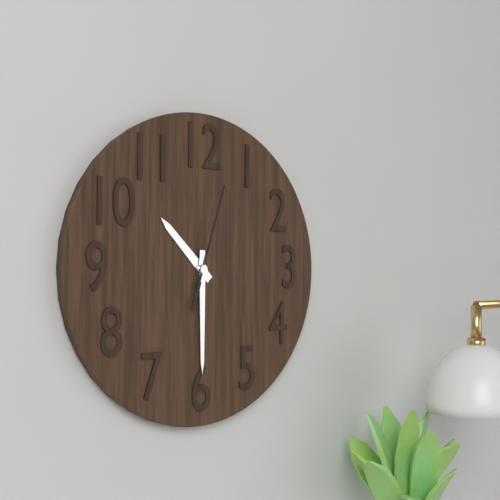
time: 10:30:03
